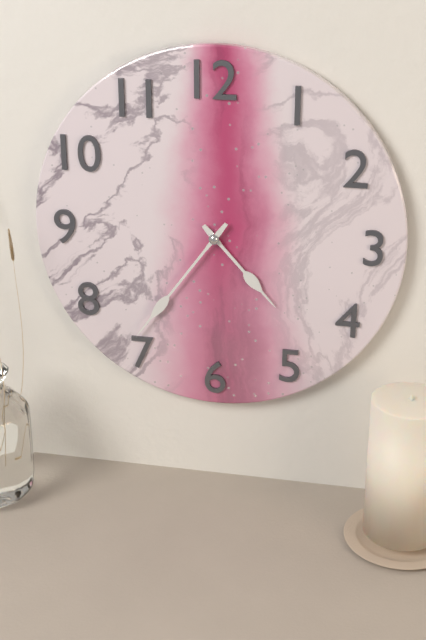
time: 4:36
